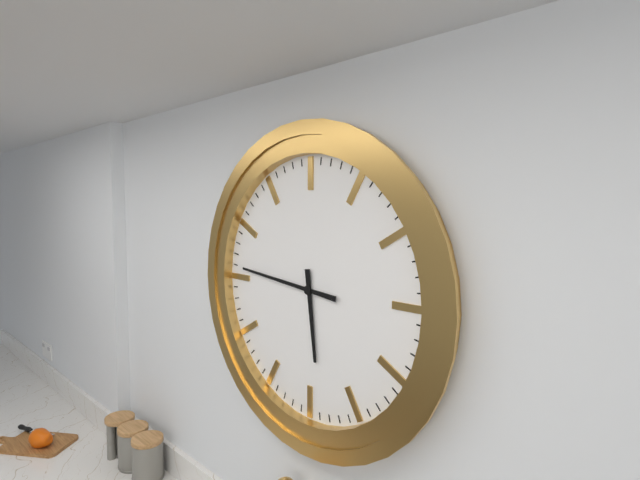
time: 5:46
